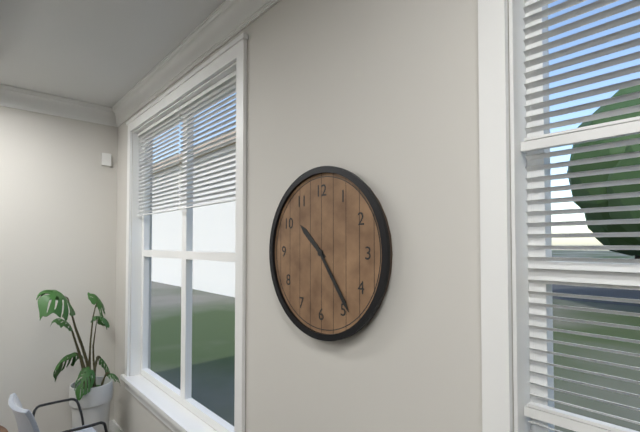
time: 10:24
